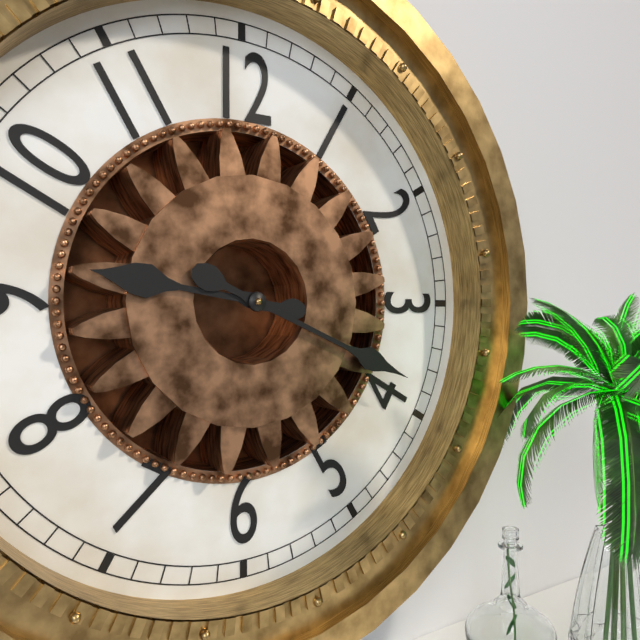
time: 9:19
